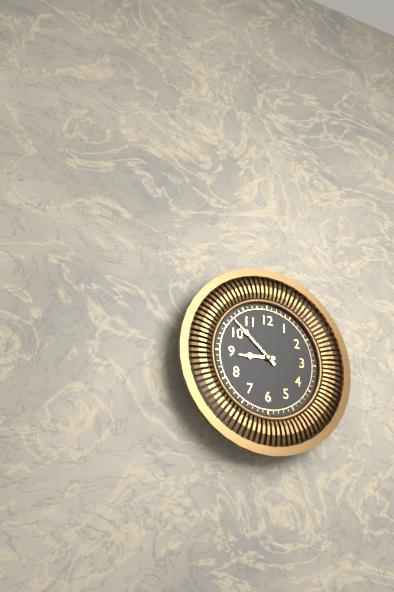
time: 8:52
